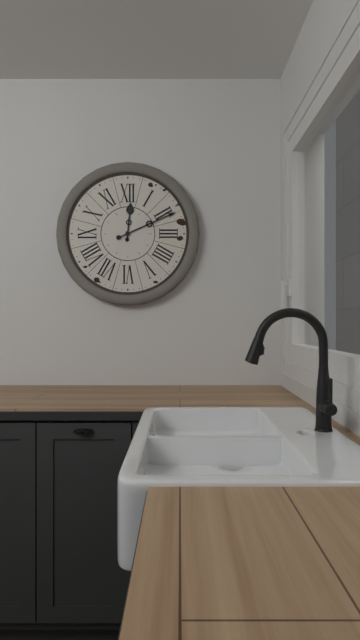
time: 12:11
